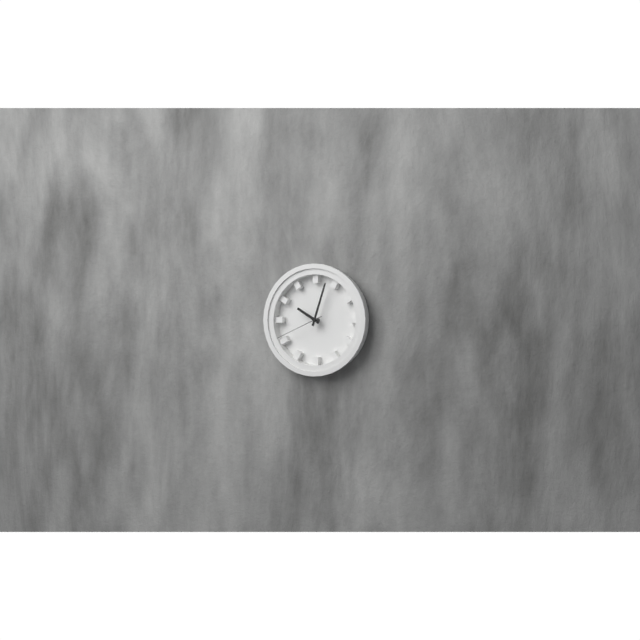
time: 10:03:41
